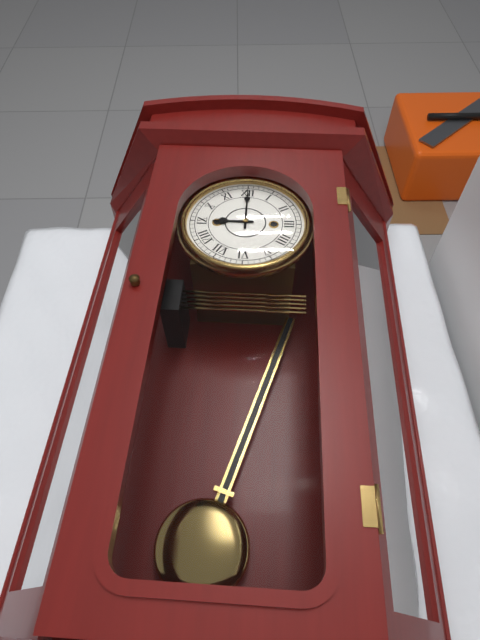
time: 9:00
